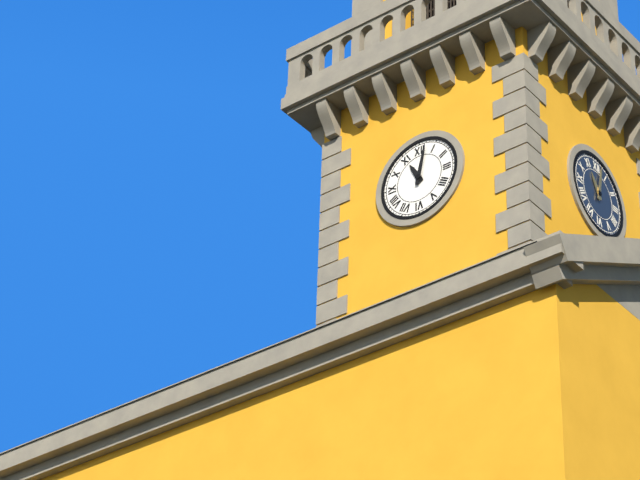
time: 11:02
